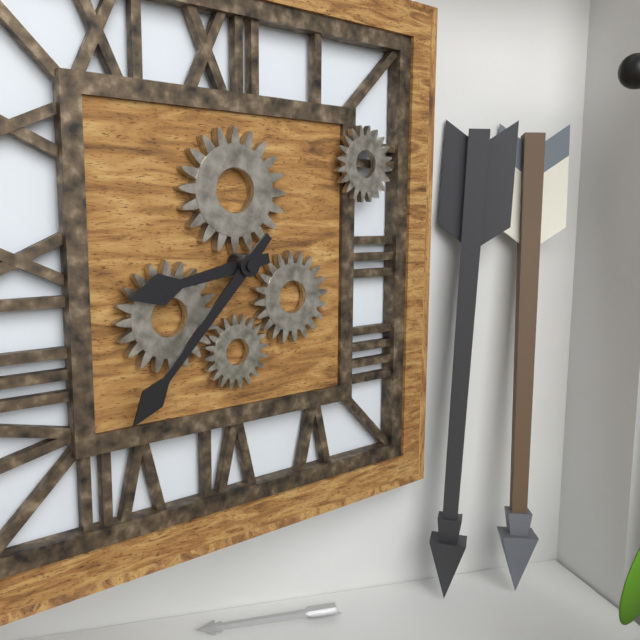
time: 8:37
